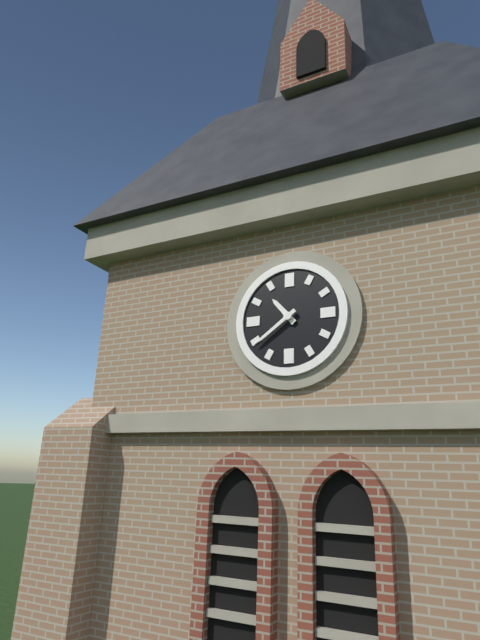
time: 10:39
